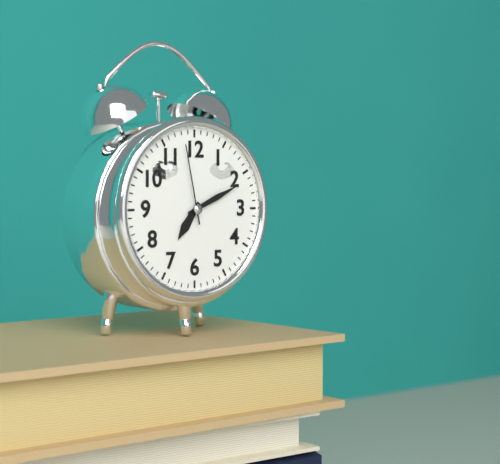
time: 7:11:58
